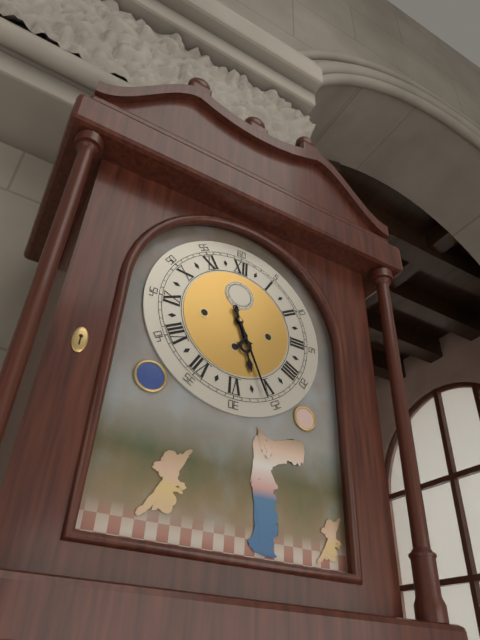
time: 5:26
